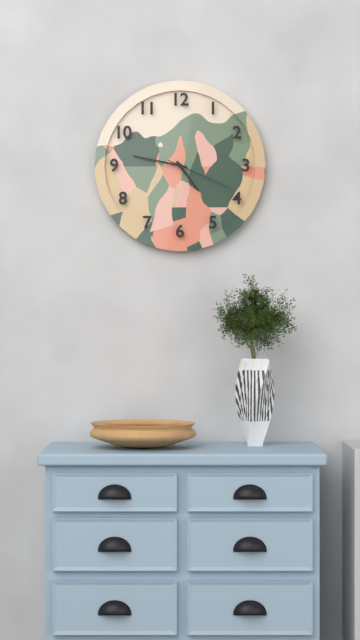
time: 4:47:19
